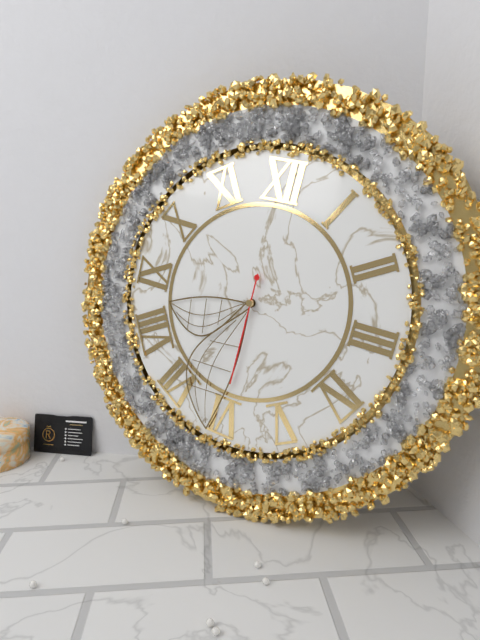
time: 8:31:30
